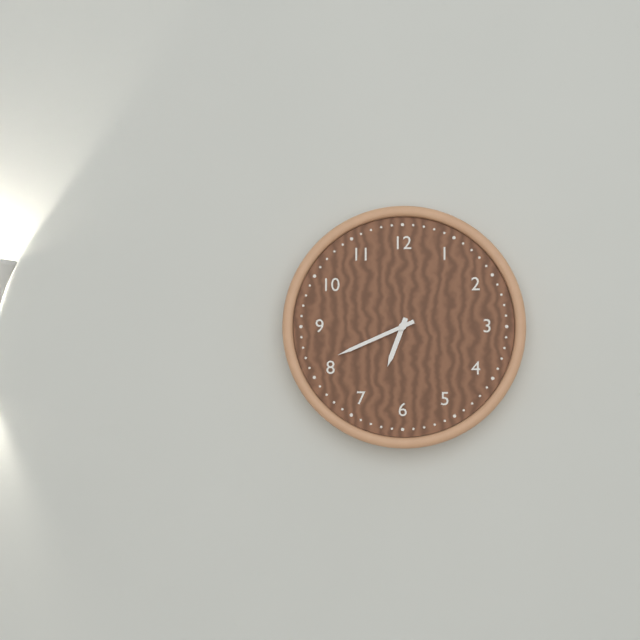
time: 6:41
